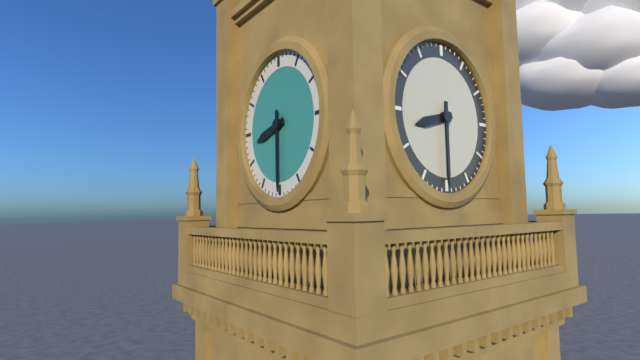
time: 8:30
